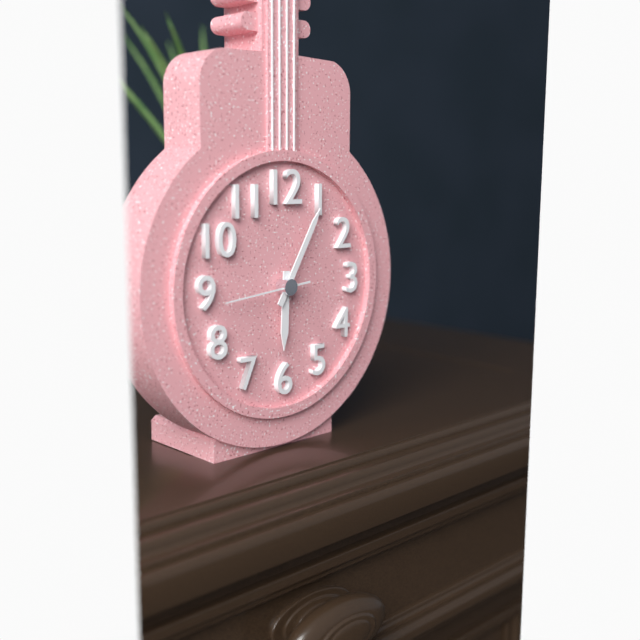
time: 6:05:44
